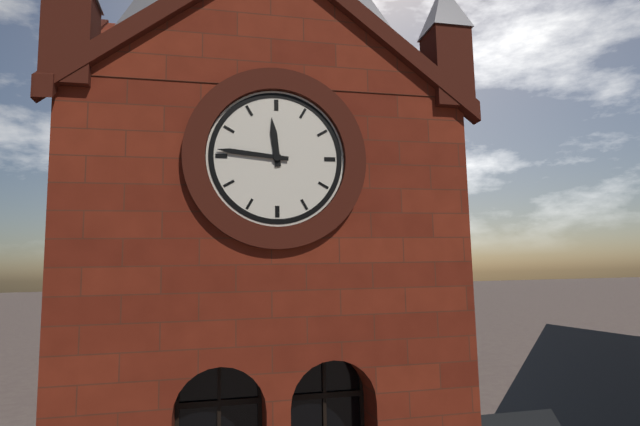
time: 11:46
